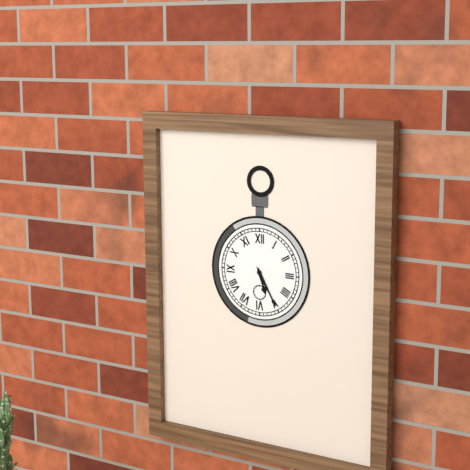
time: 5:25
